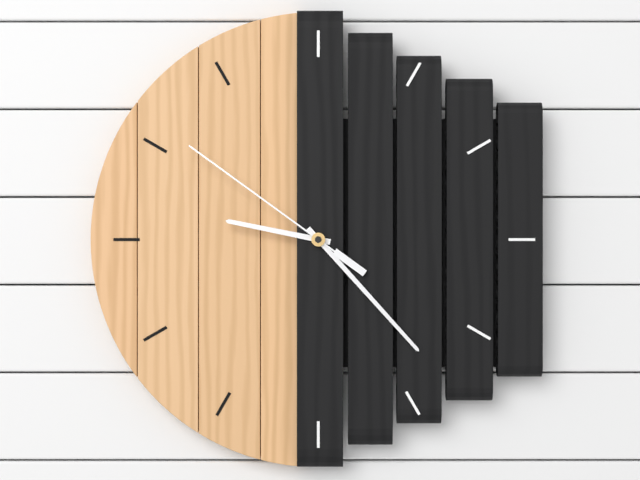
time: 9:23:51
